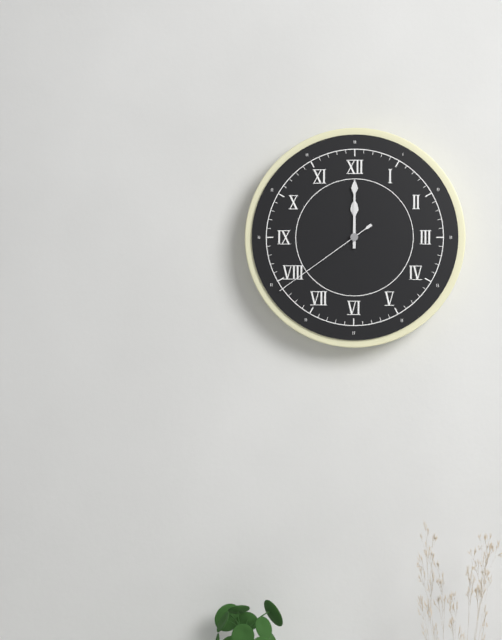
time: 12:00:39
